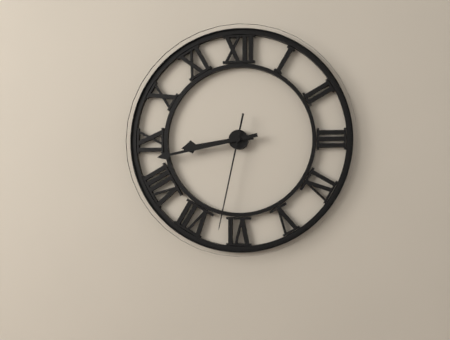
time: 8:43:32
